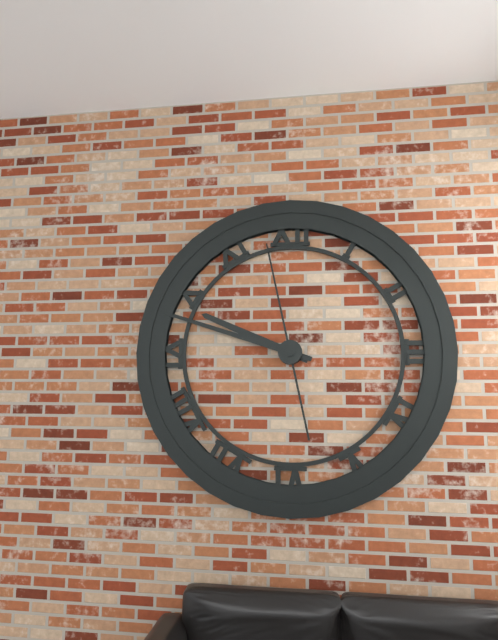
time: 9:48:58
